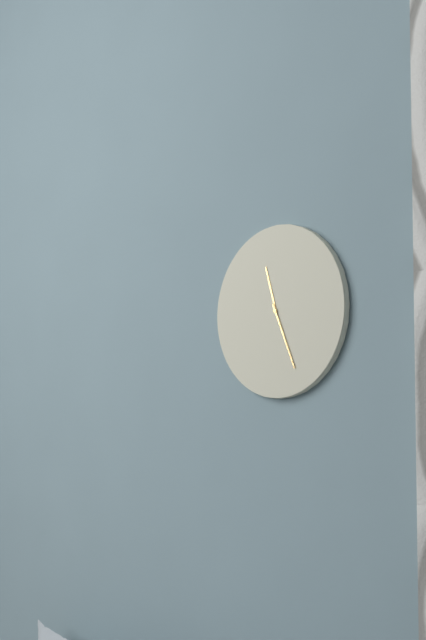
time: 11:26
